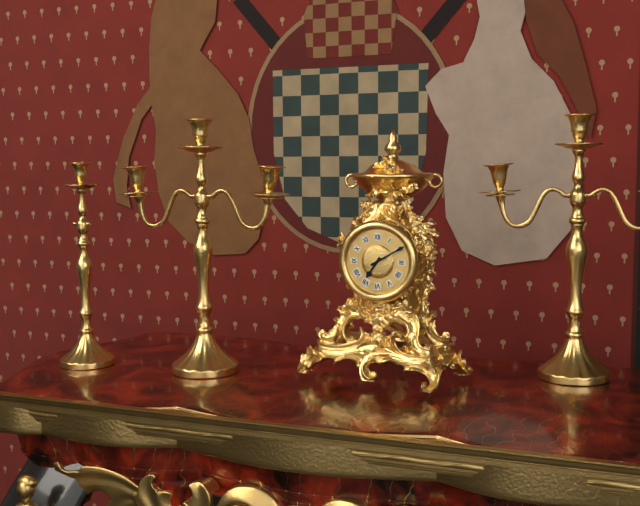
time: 7:10
